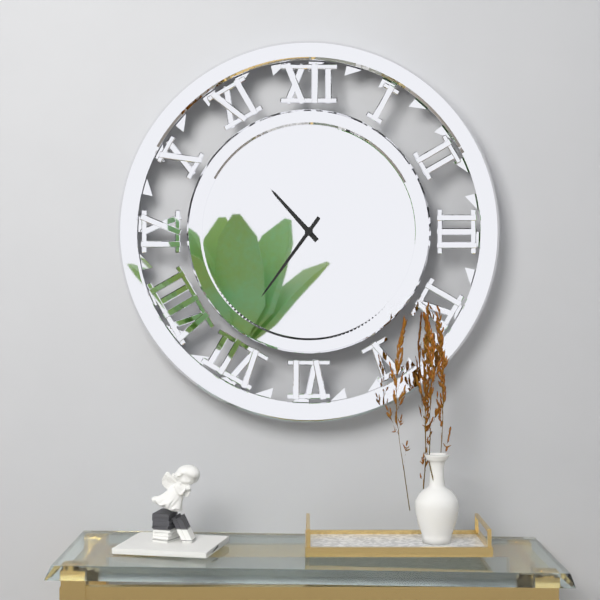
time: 10:36
